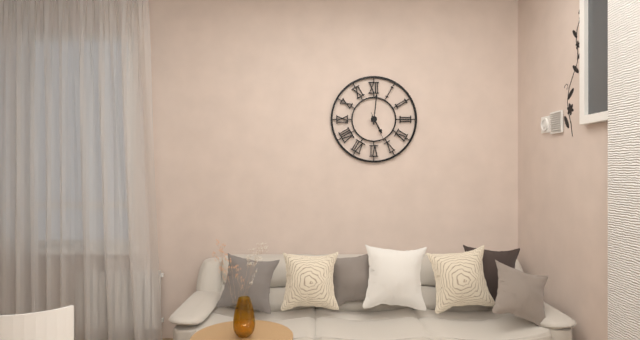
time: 5:01
